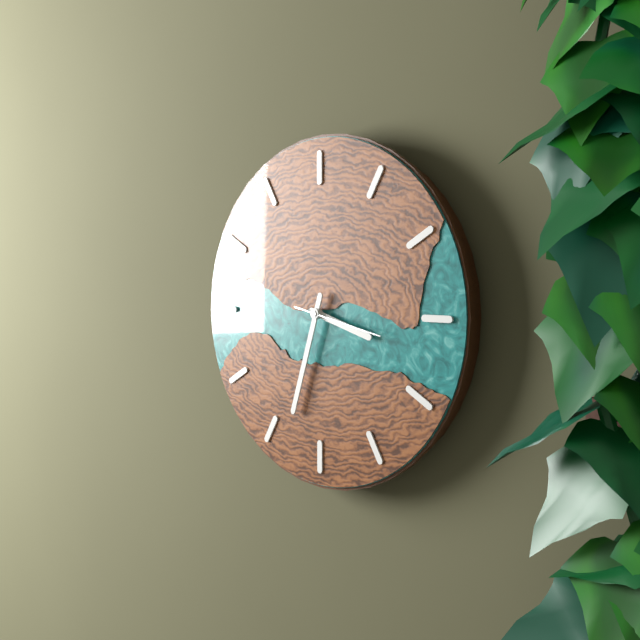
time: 3:33:17
